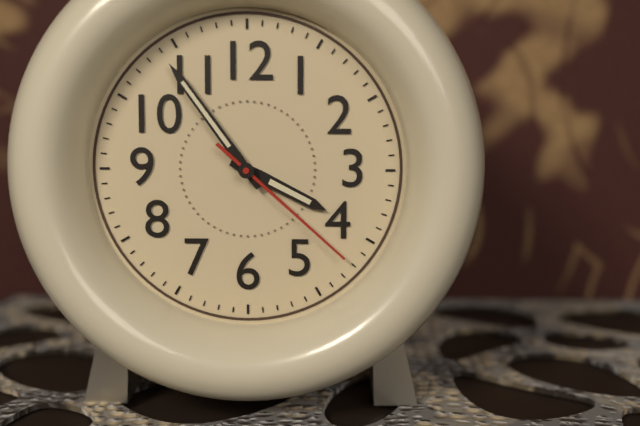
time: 3:54:22
